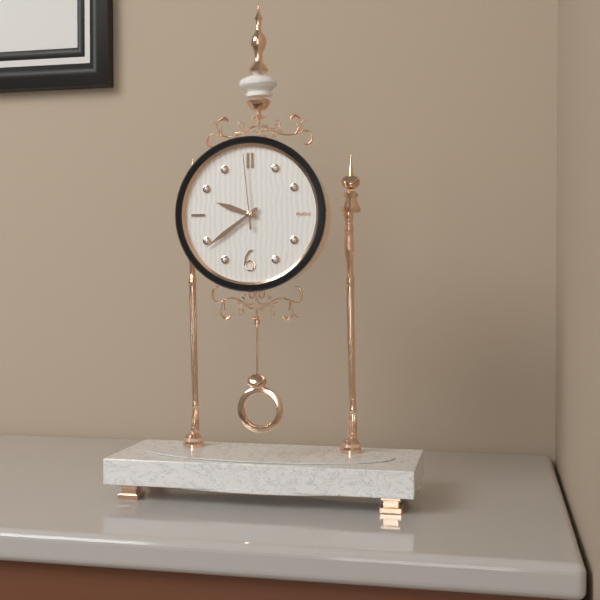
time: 9:39:59
